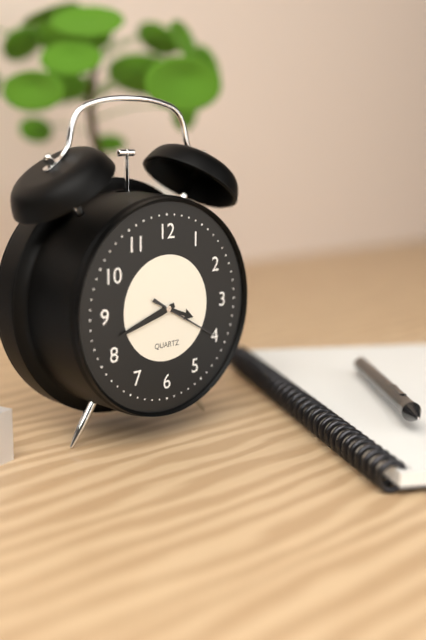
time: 3:42:20
